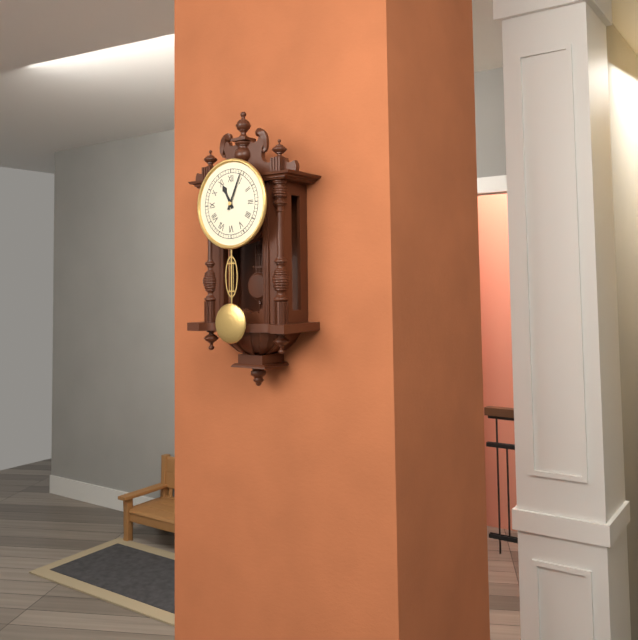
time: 11:04
